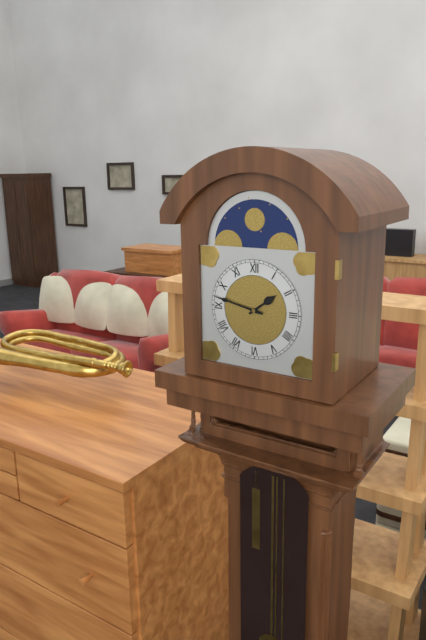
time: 1:47
